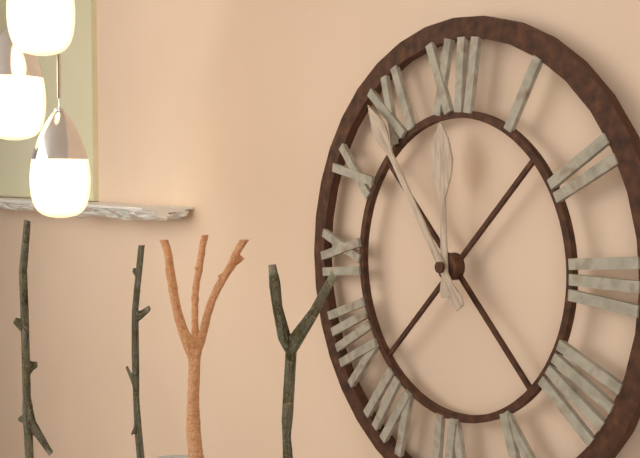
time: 11:54
